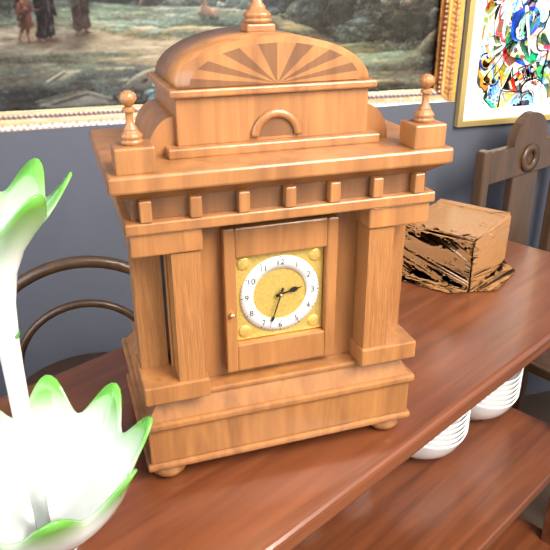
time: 2:33
